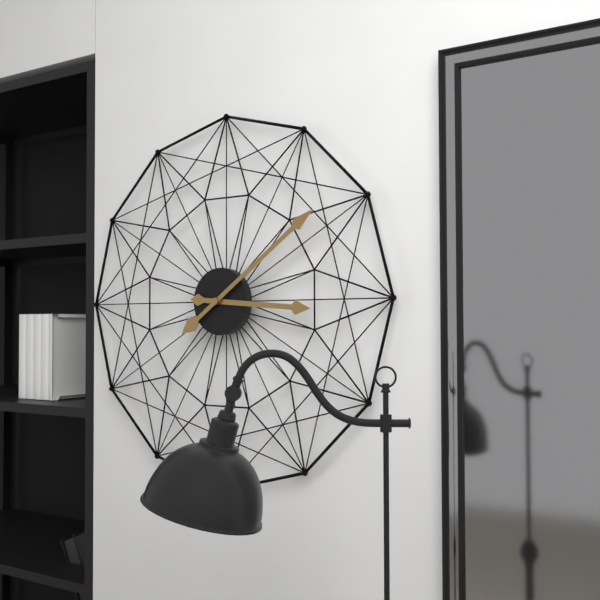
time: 3:09
